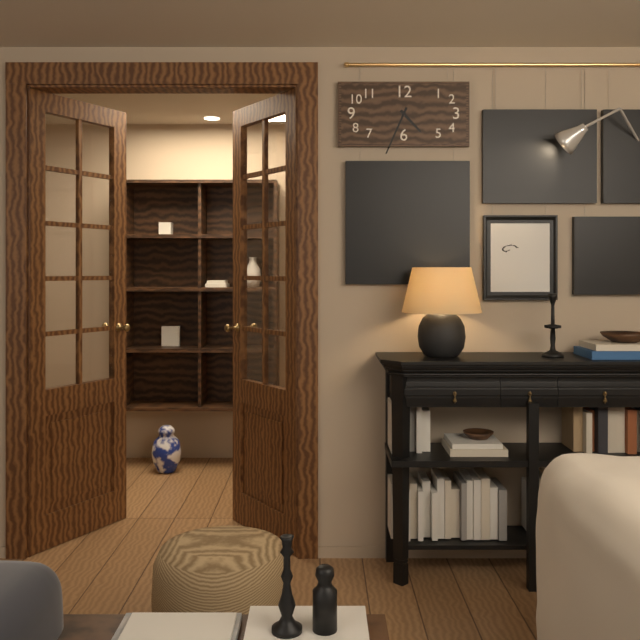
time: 4:34
